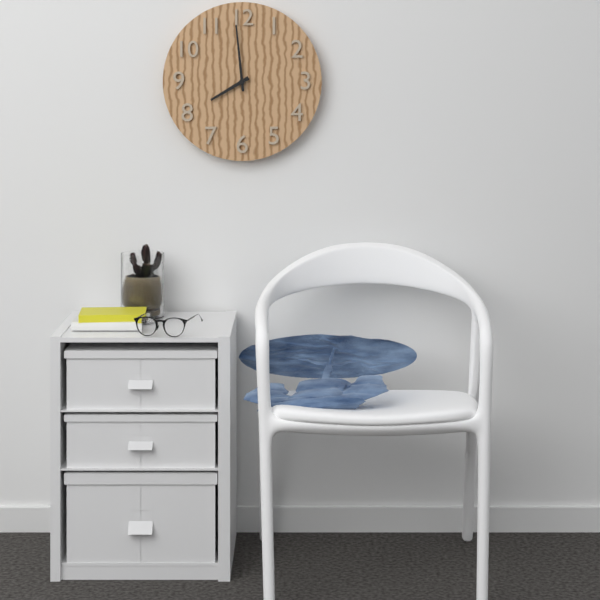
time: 7:59
